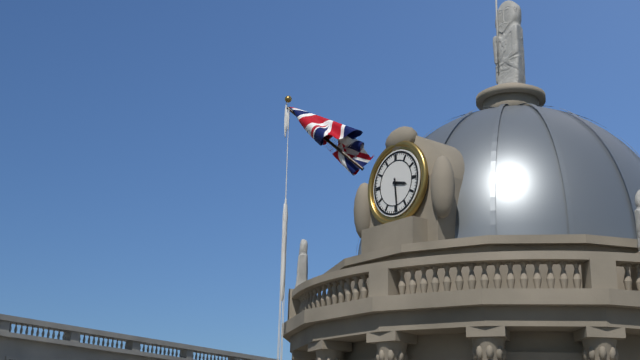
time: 3:29
